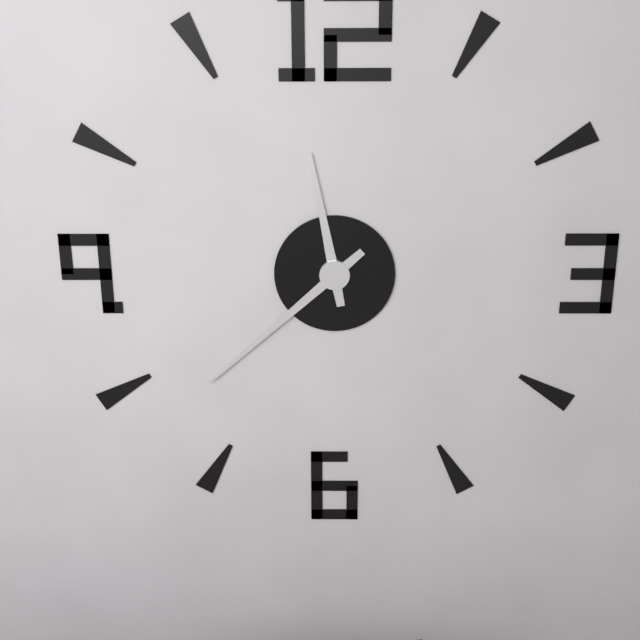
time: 11:38
